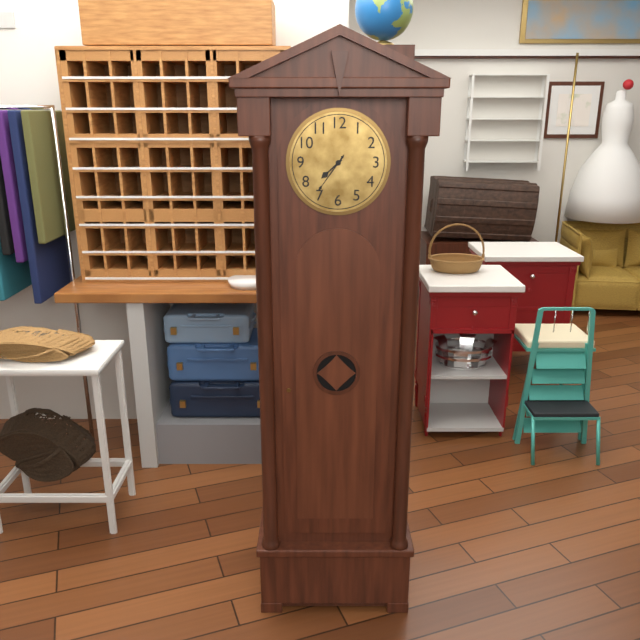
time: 7:36
